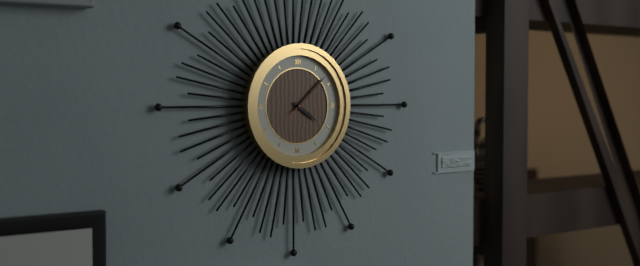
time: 4:08:08
